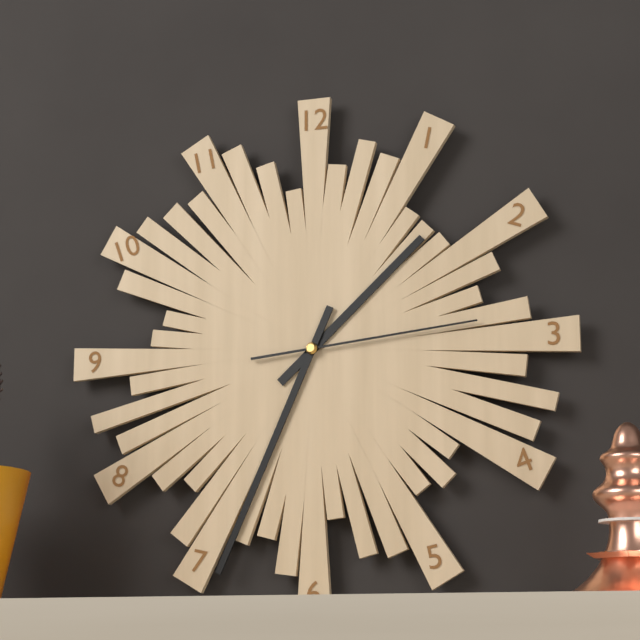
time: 1:34:14
